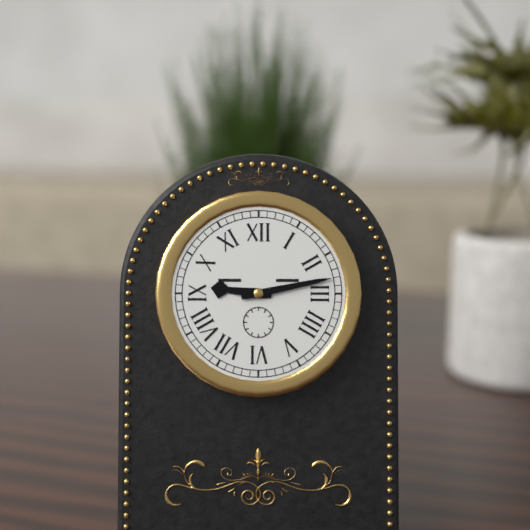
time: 9:13
